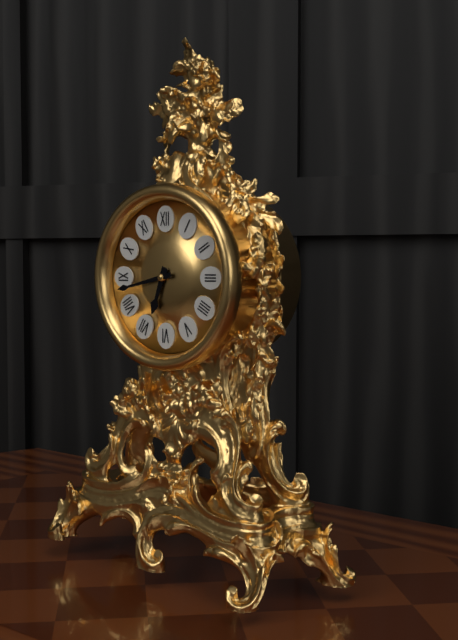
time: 6:43
